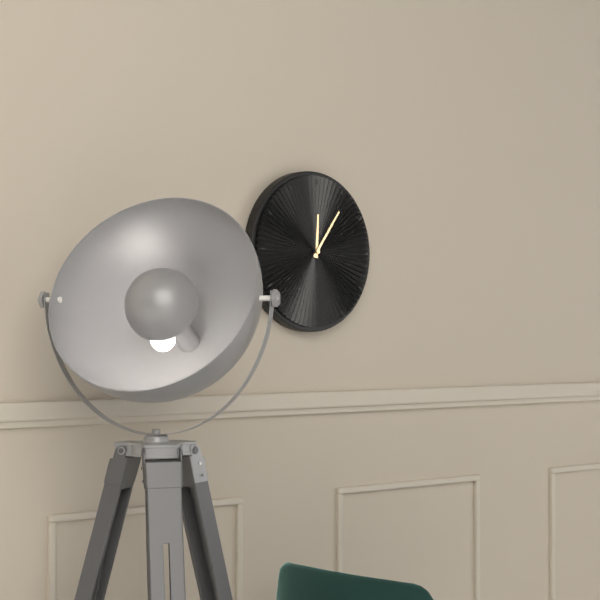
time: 12:06
